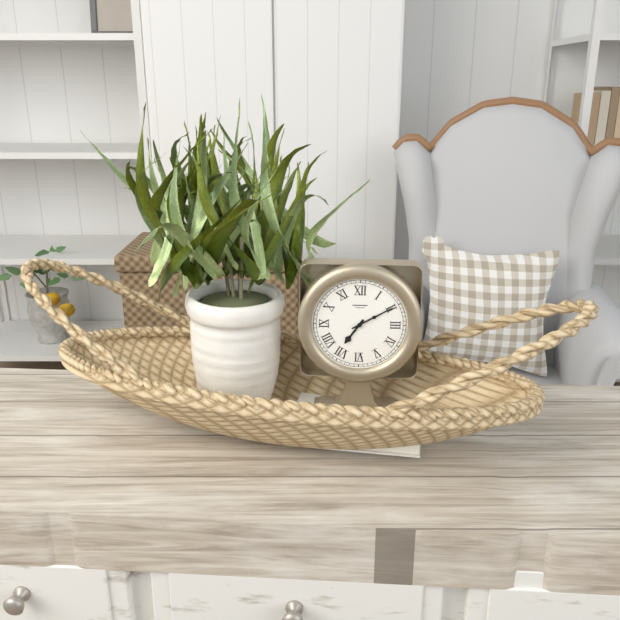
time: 7:10
